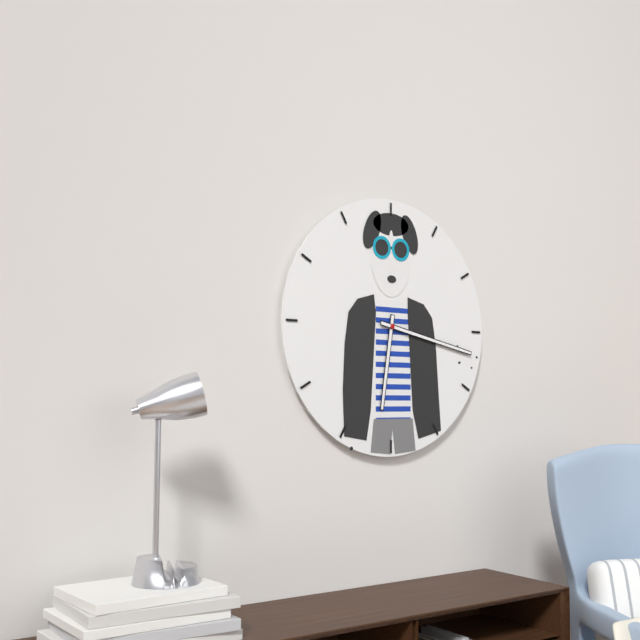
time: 6:17
